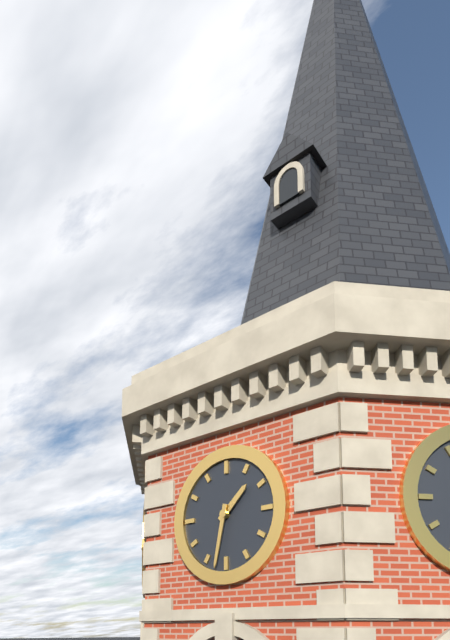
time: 1:32
